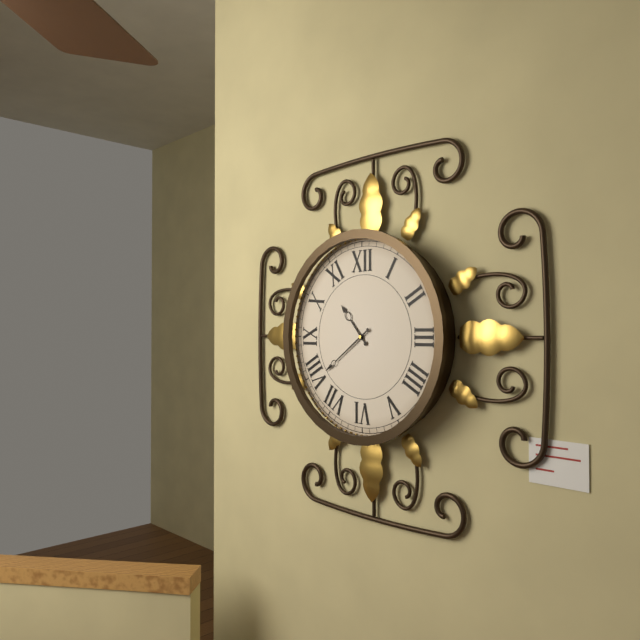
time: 10:39
